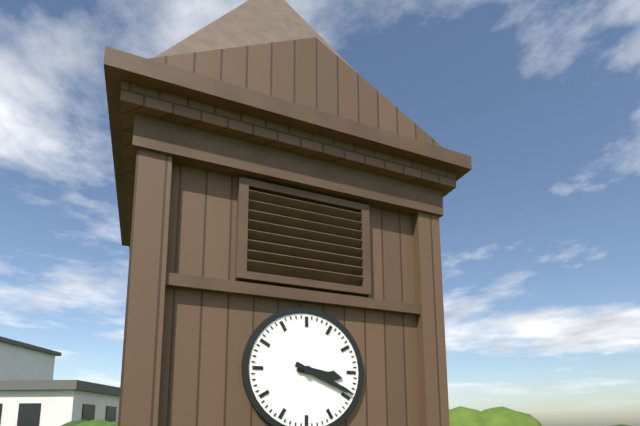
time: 3:19
